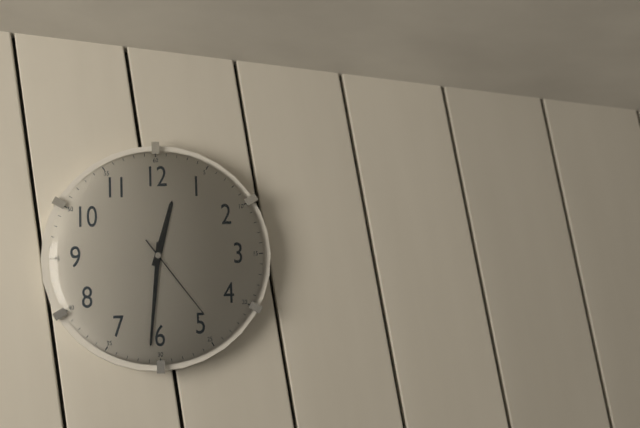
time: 12:31:24
